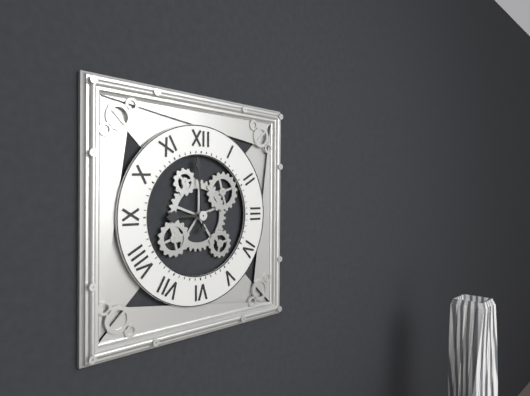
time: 8:59
